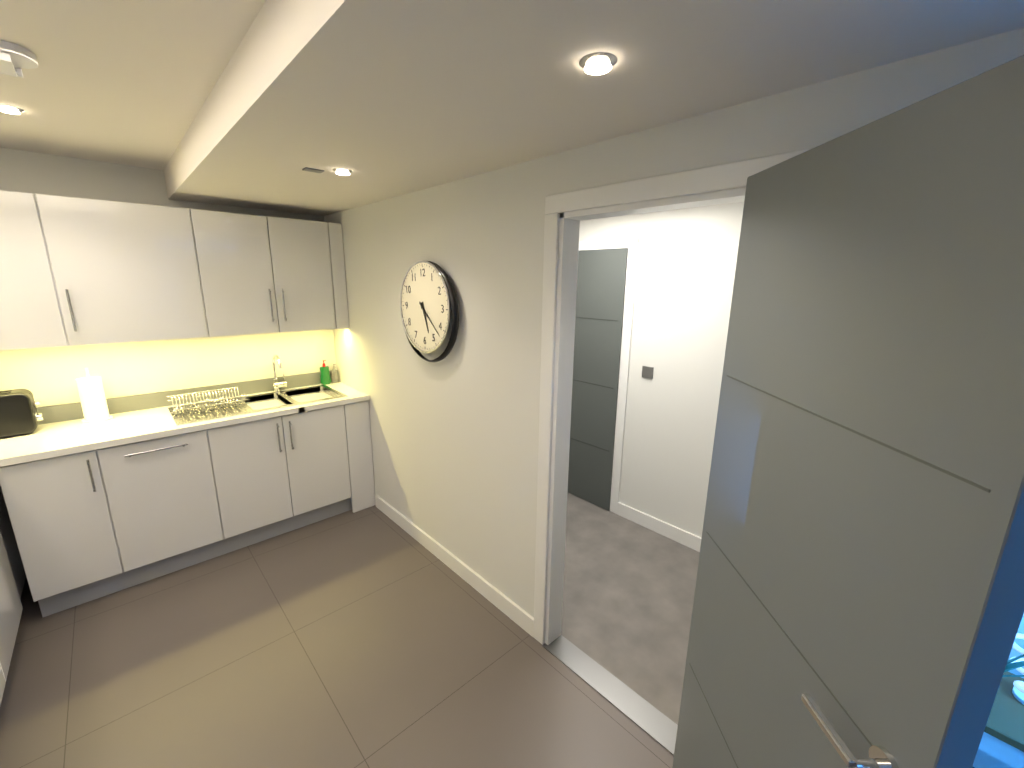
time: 5:22
